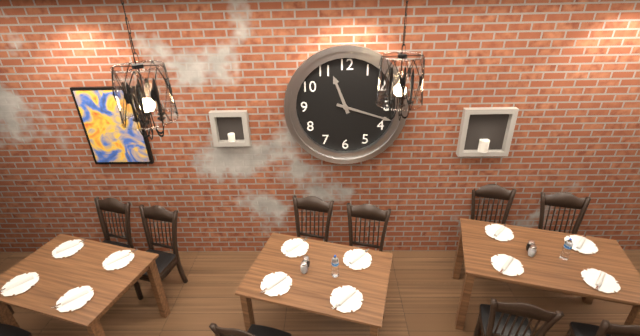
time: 11:18
